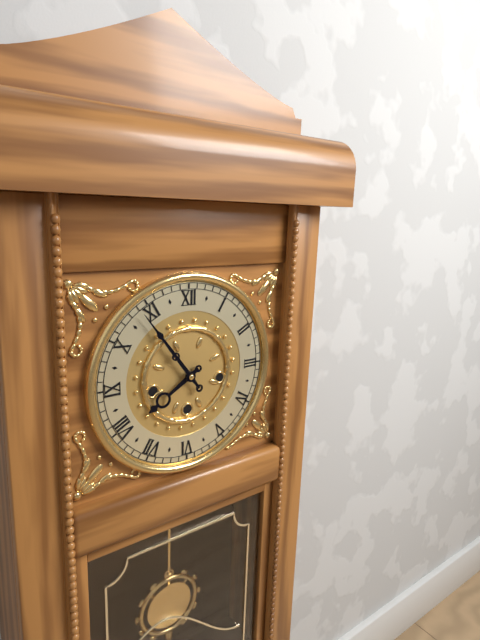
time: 7:54
